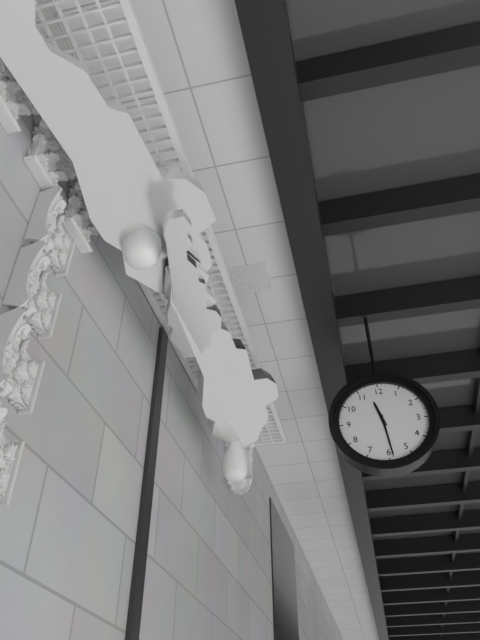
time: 11:29
